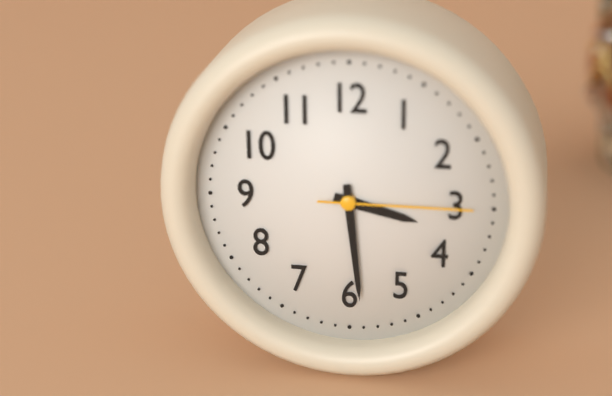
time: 3:29:15
